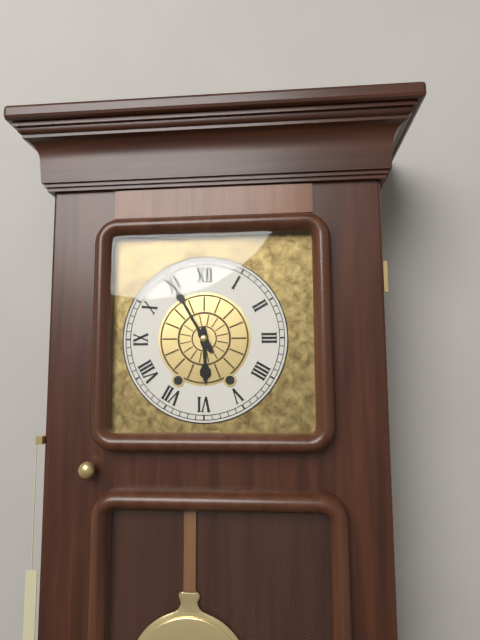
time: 5:55
